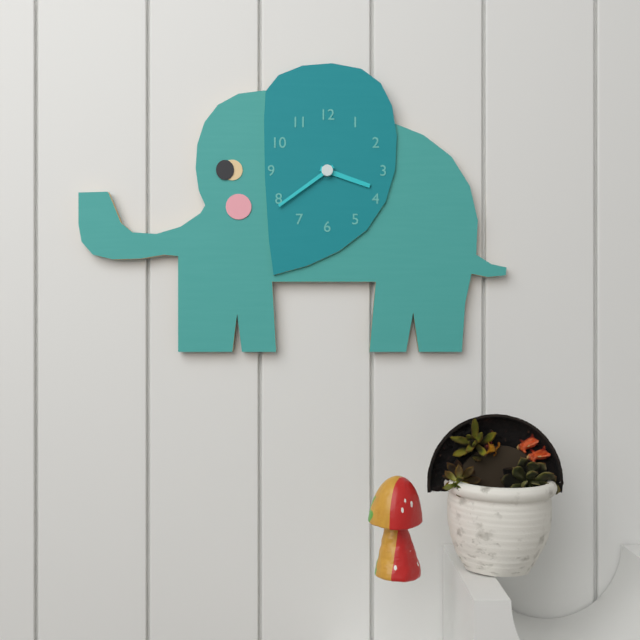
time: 3:39
